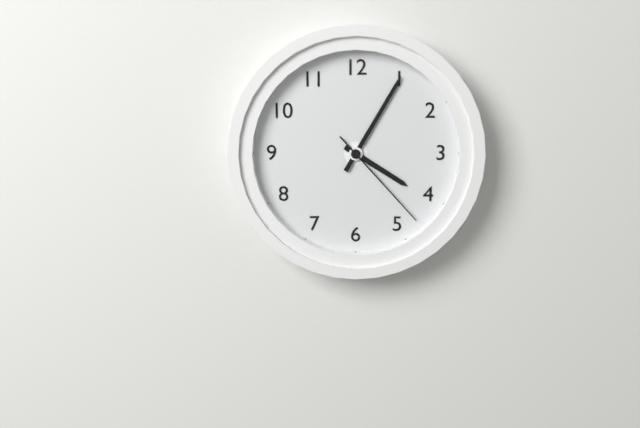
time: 4:05:23
